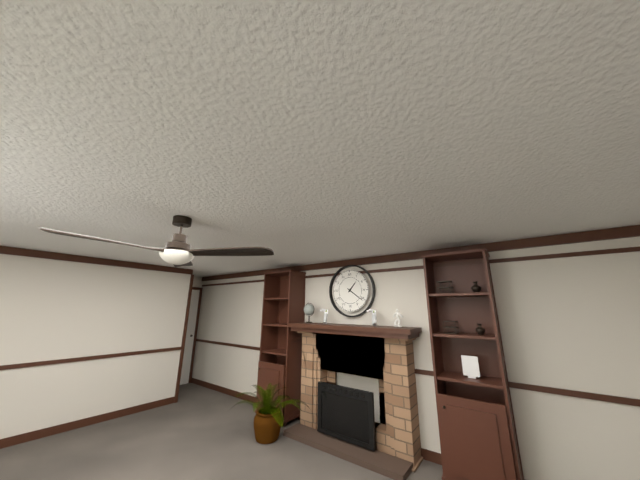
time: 1:21
